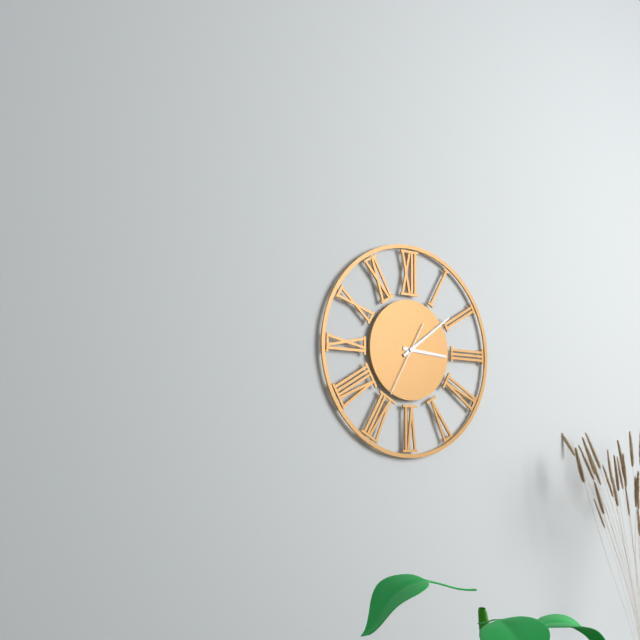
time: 3:09:35
